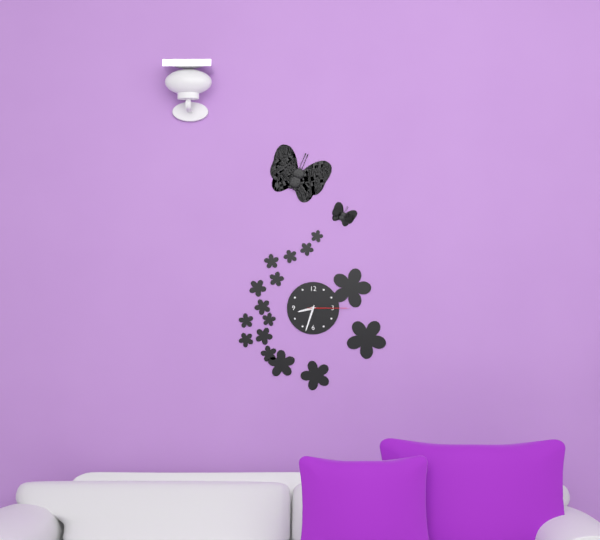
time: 8:33
